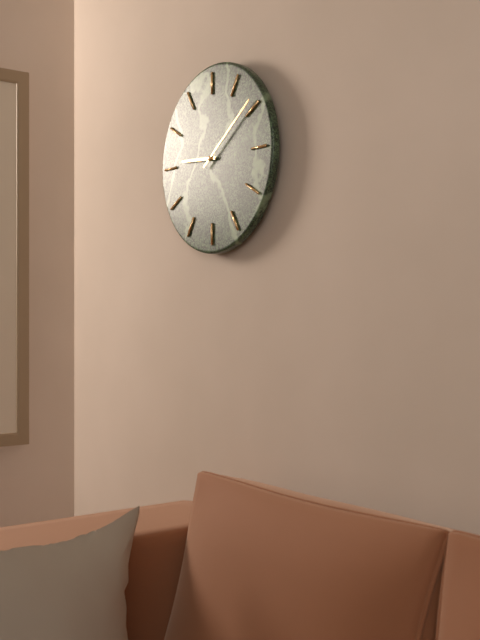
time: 9:09
